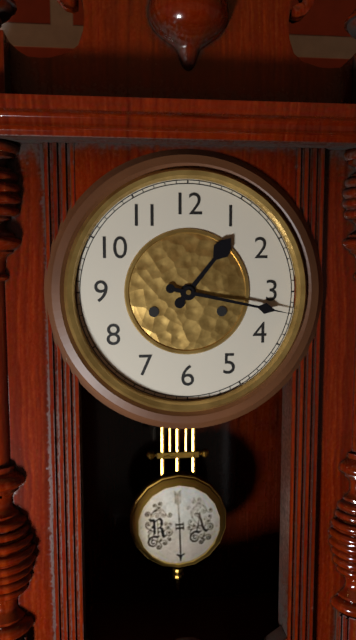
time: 1:17
